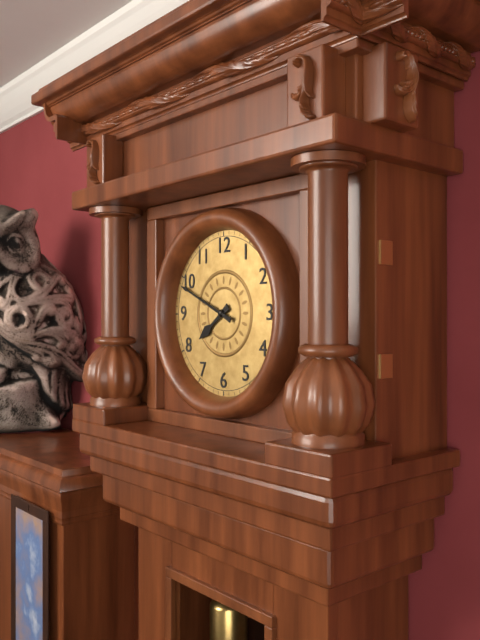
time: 7:49
